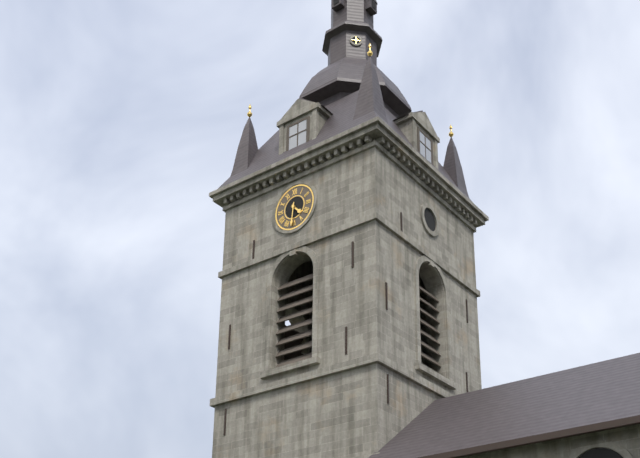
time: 4:31
